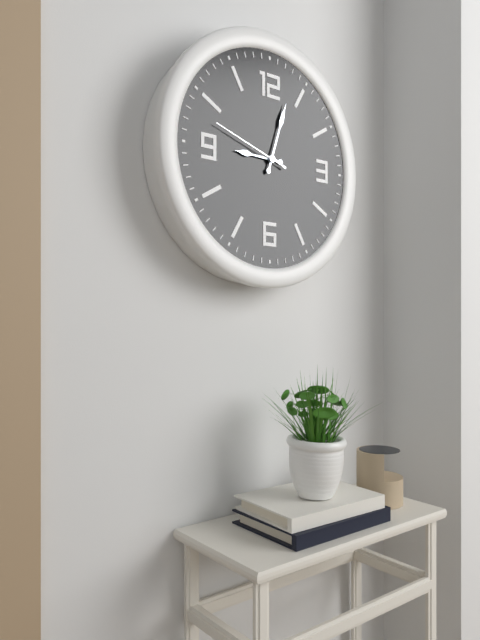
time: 9:03:48
